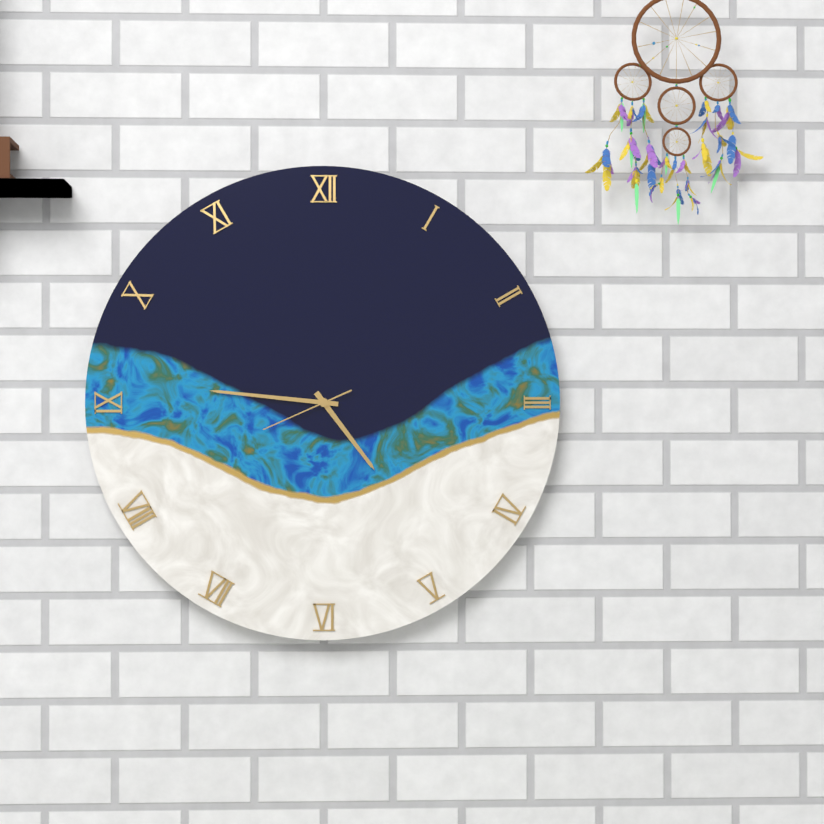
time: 4:46:41
